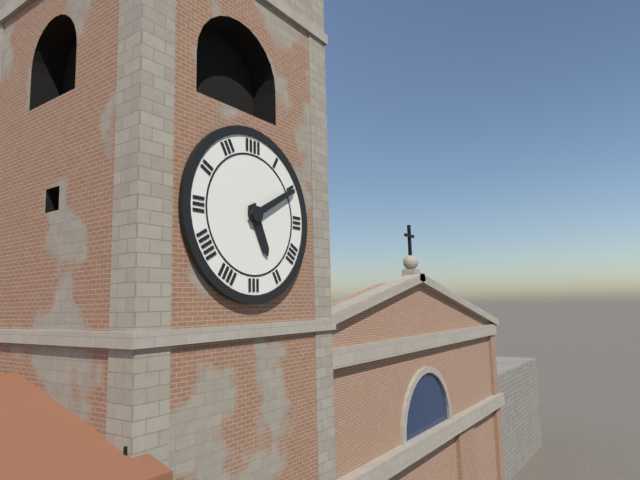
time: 5:10
